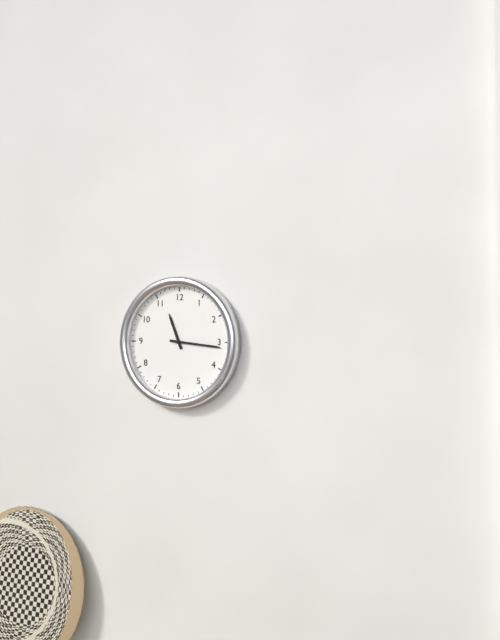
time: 11:16
